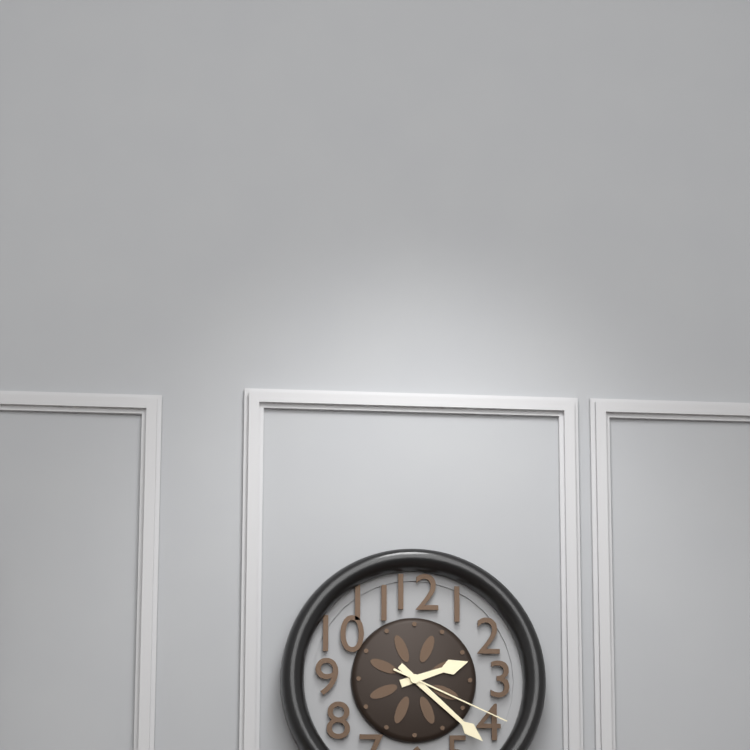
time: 2:22:19
